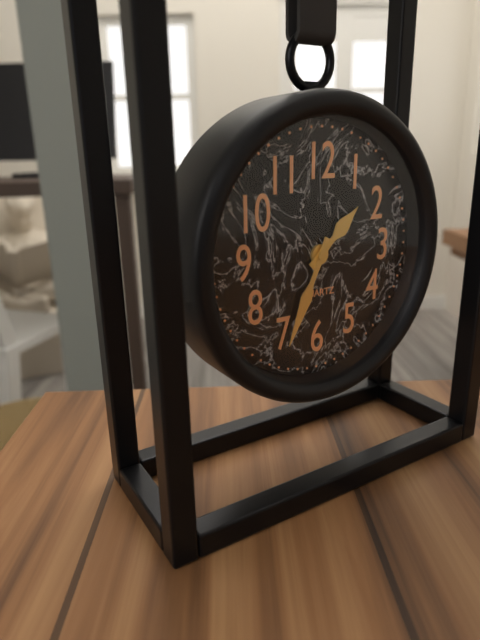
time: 1:34
